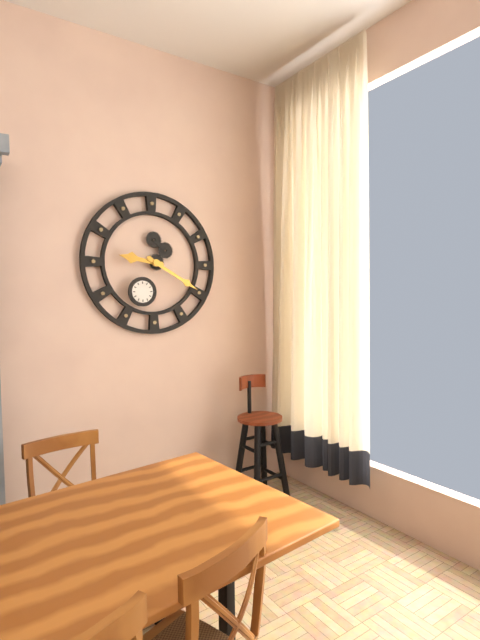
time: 9:20
